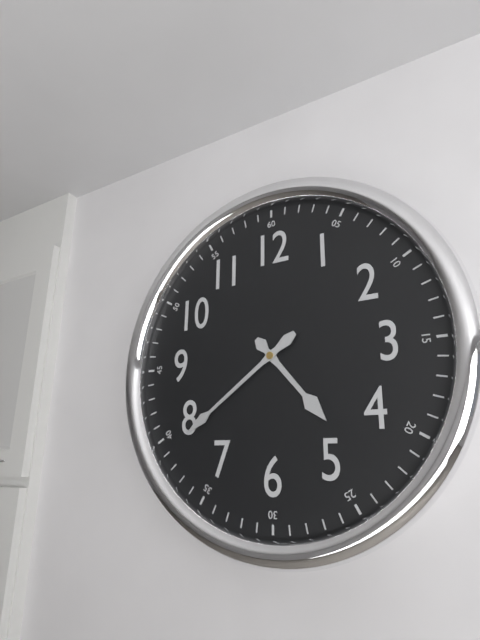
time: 4:39
